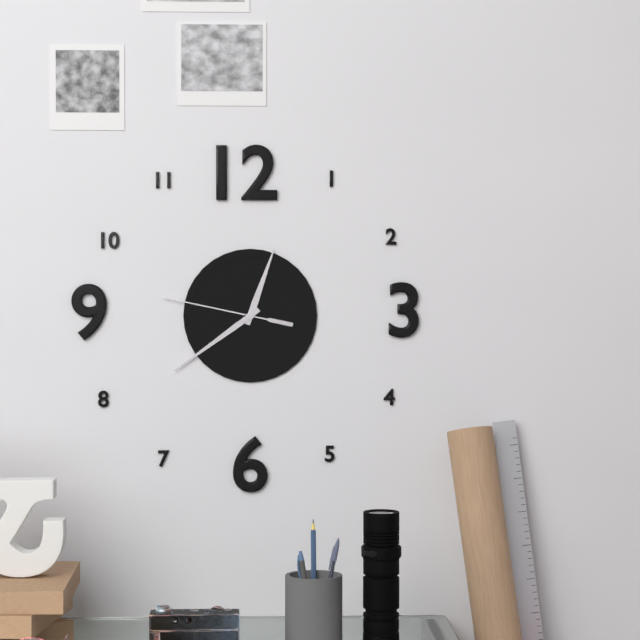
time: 12:39:47
